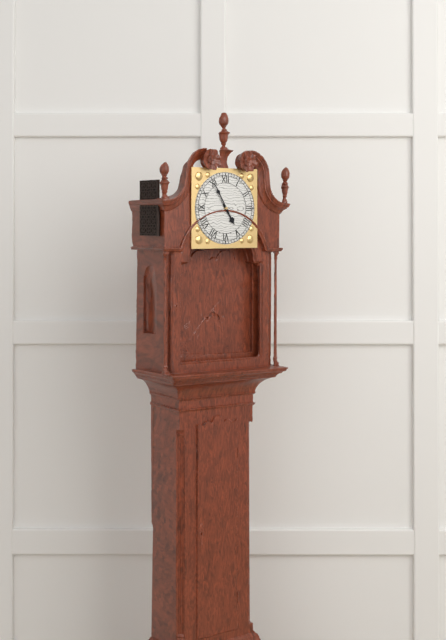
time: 4:55
